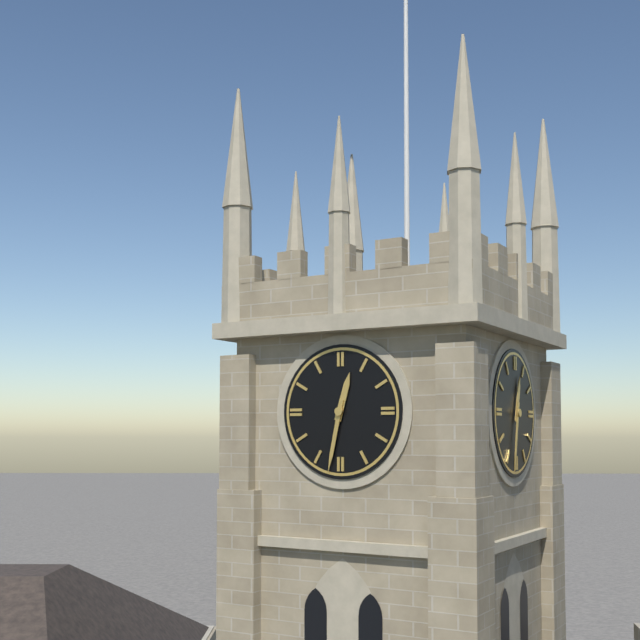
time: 12:32
